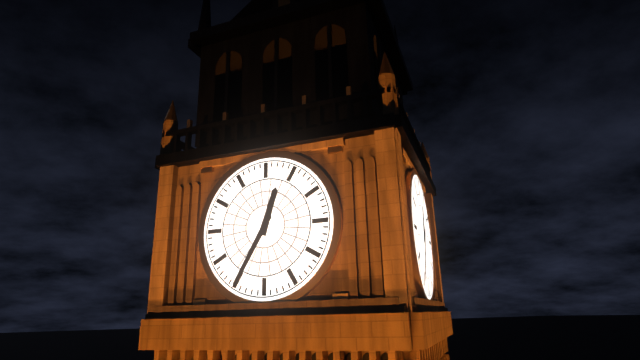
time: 12:35
